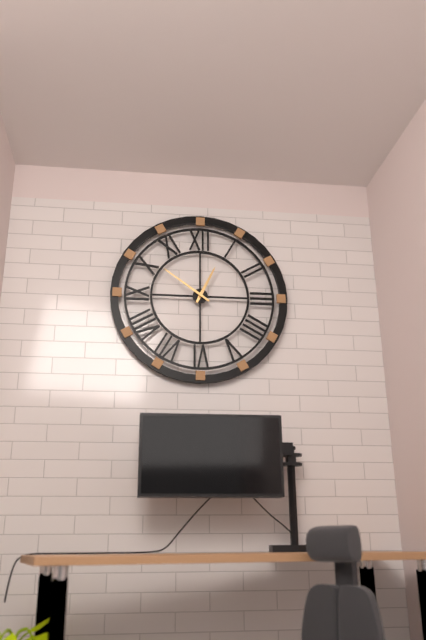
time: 12:51
